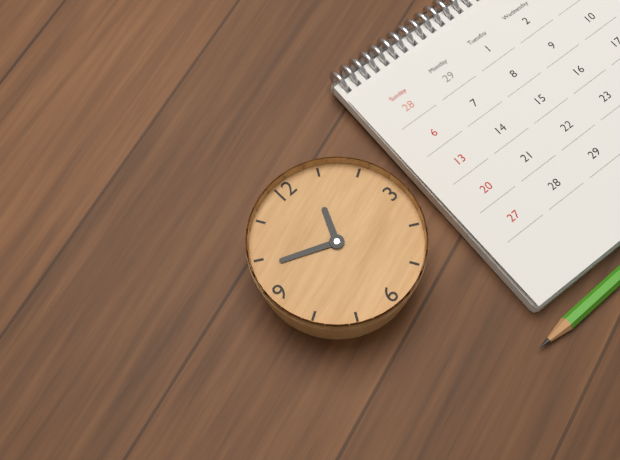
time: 12:49
